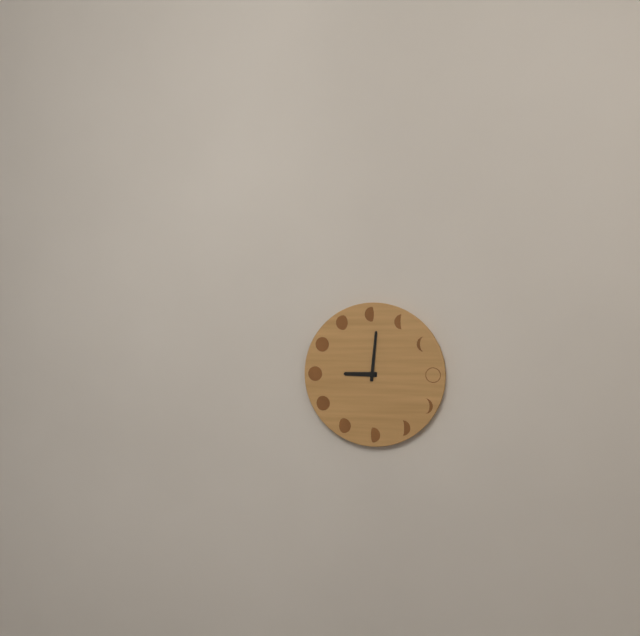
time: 9:01
